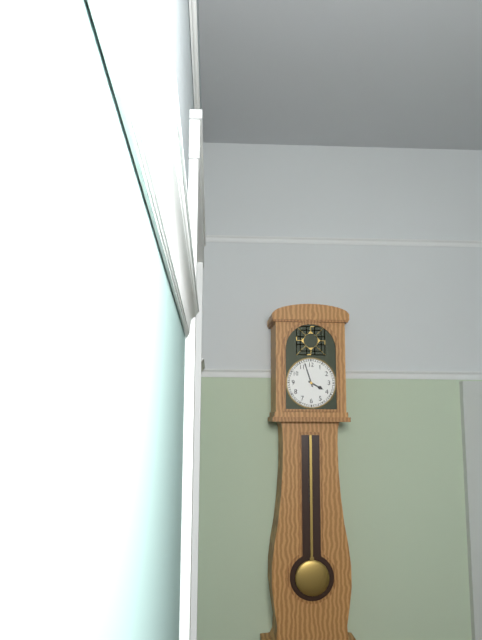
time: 3:57
